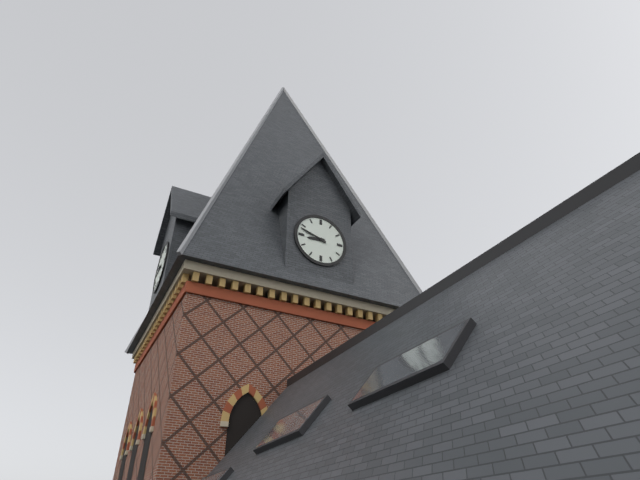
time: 8:48
